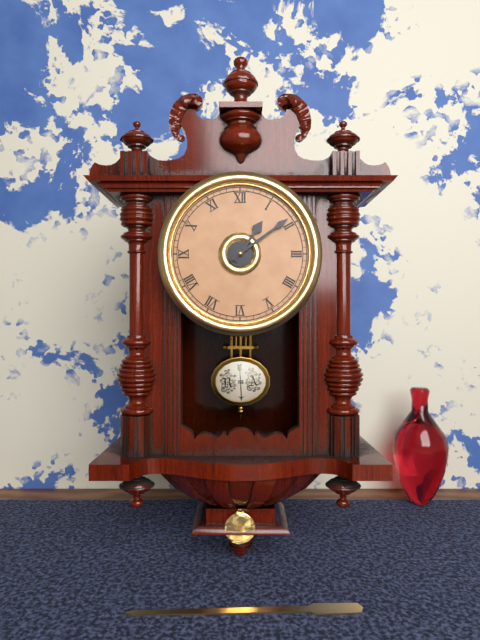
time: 1:09
